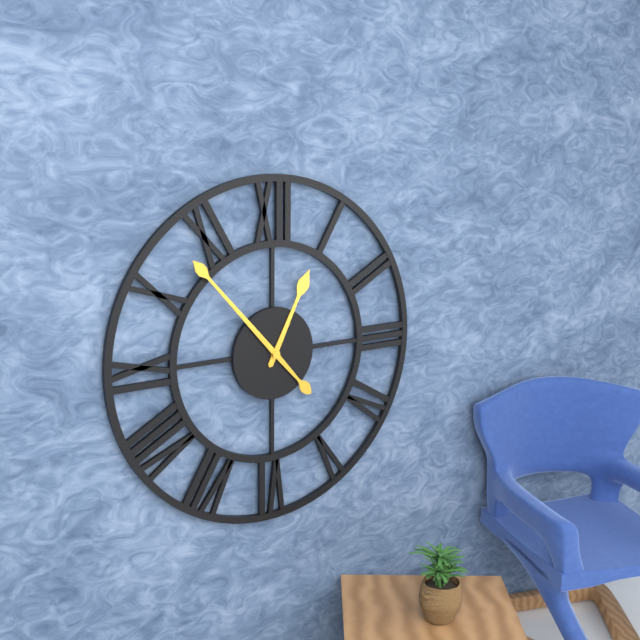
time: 12:53
